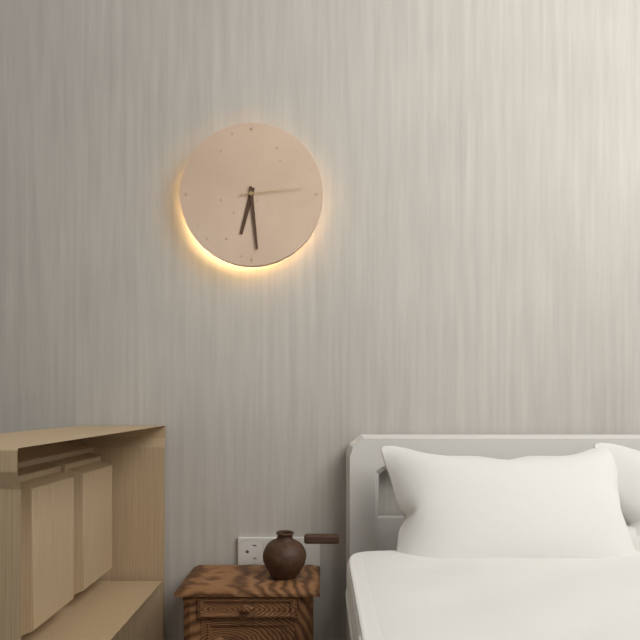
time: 6:29:14
